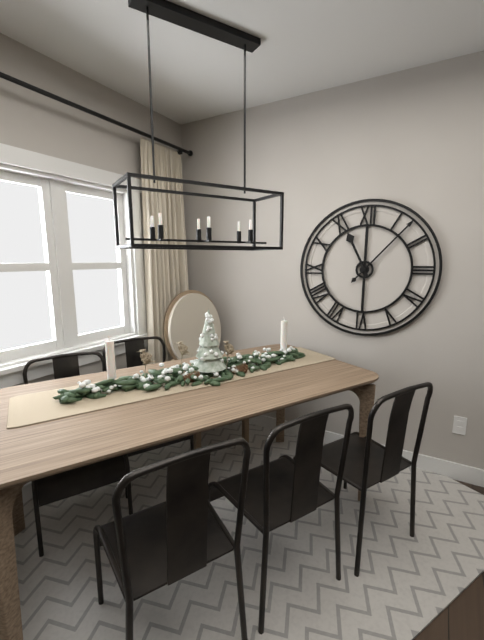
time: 11:07
